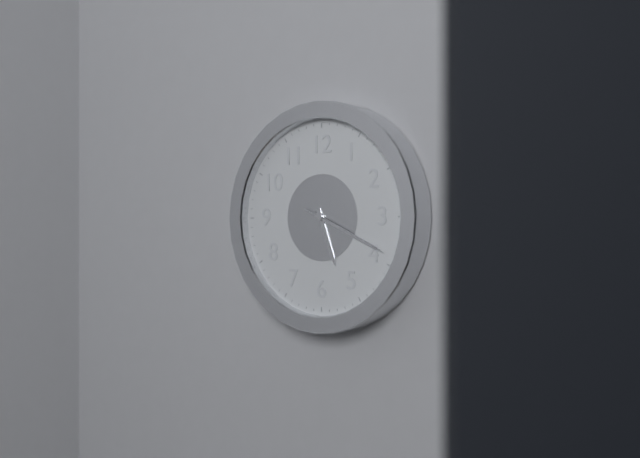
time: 5:19:19
